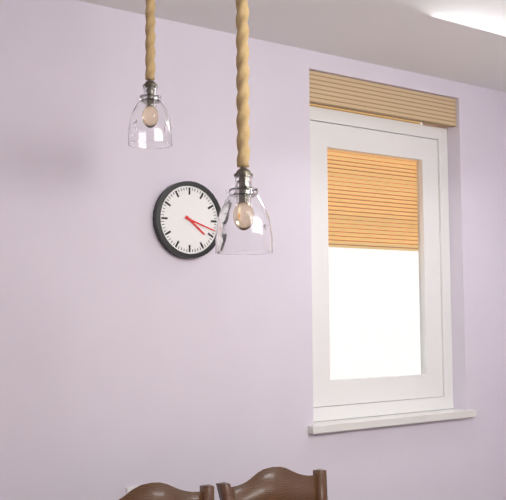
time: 4:18
